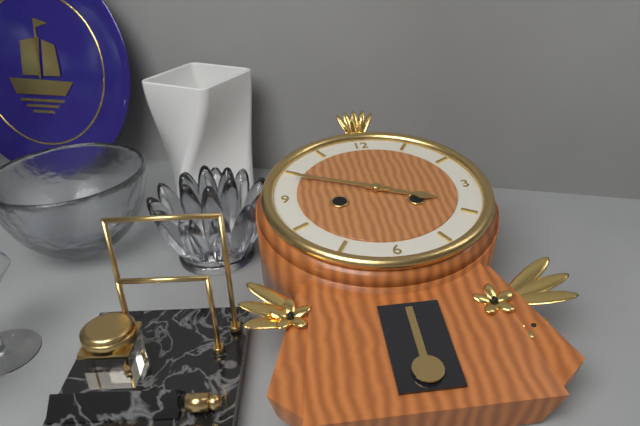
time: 3:49
